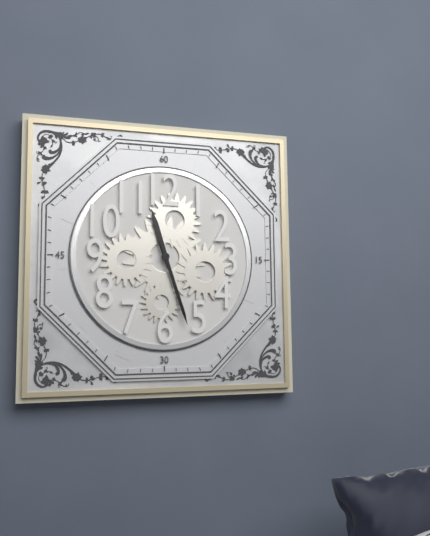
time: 11:27
